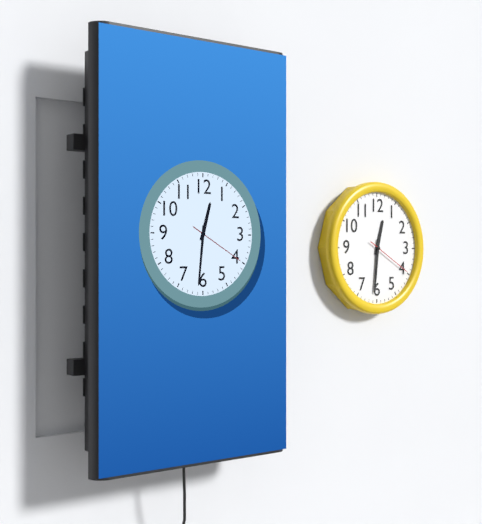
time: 12:31
